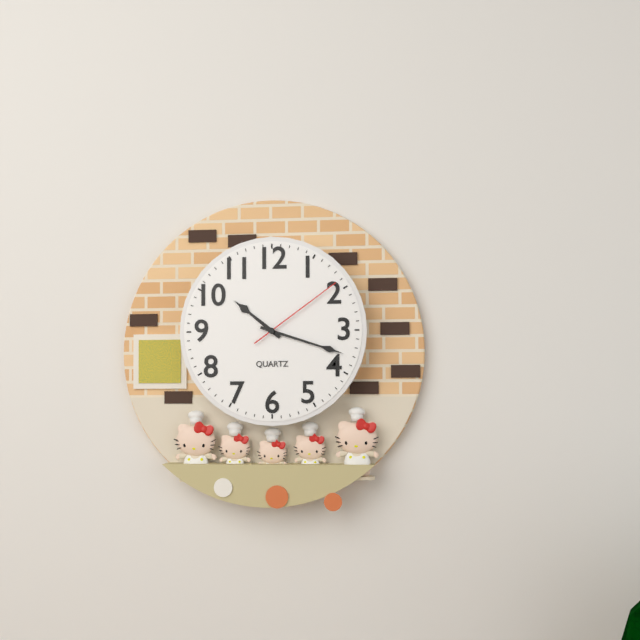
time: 10:18:09
